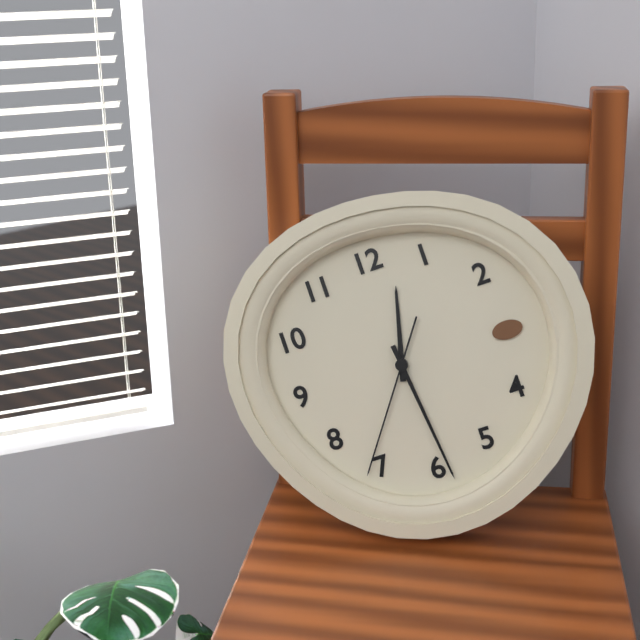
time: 12:29:36
